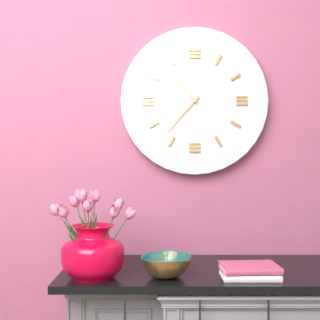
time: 10:37
